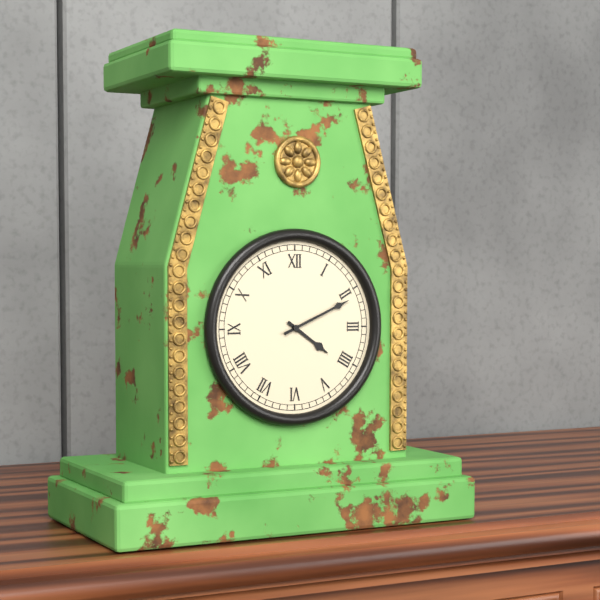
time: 4:11
